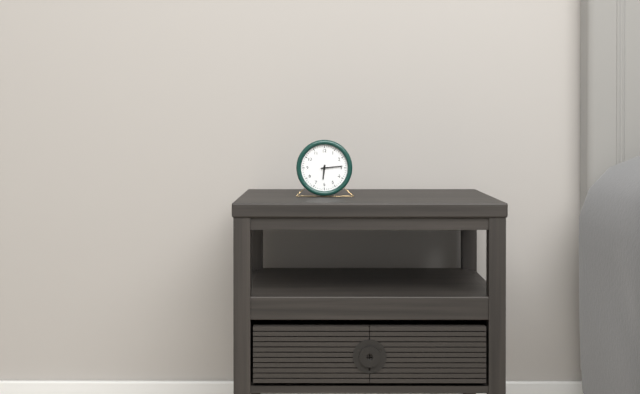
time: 6:14
